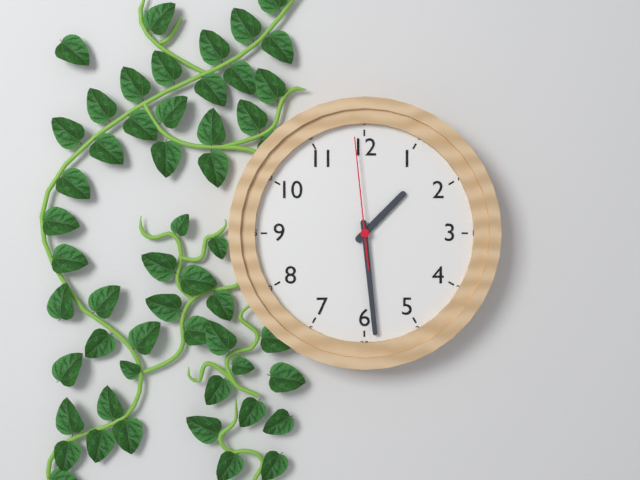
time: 1:29:59
